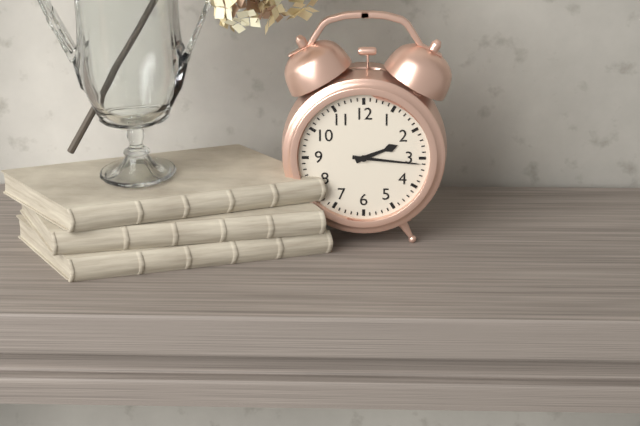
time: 2:16
